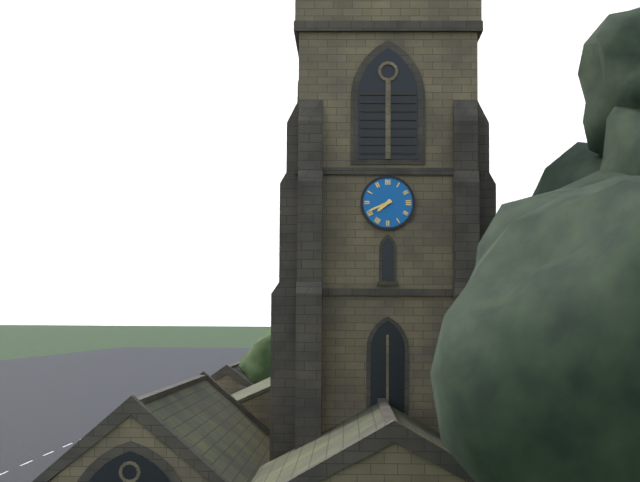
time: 7:41
